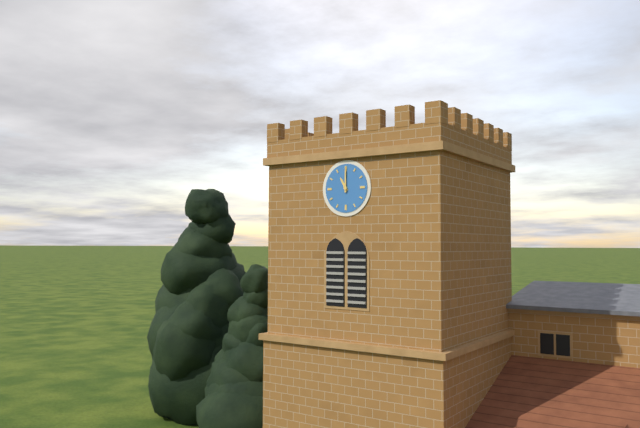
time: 11:00
